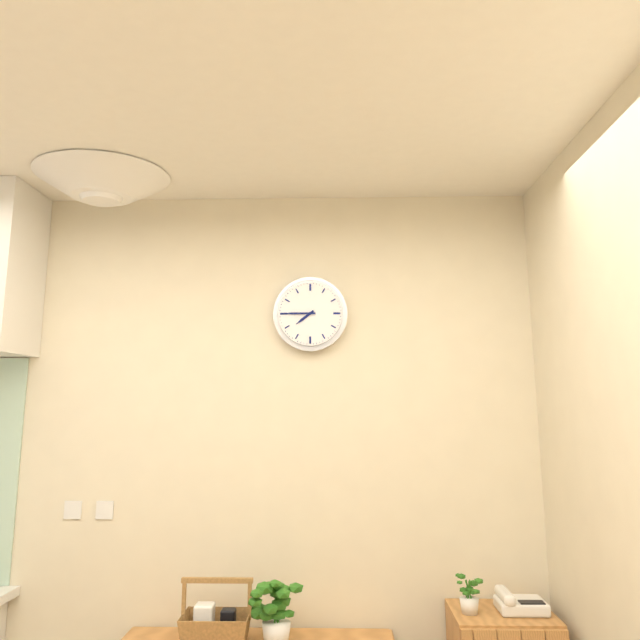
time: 7:45
